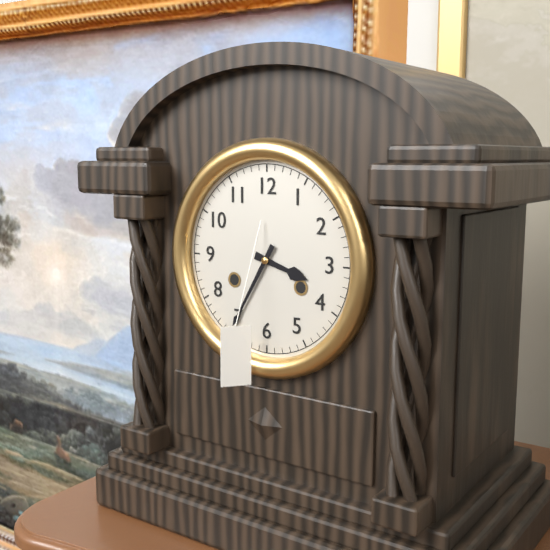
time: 3:35
